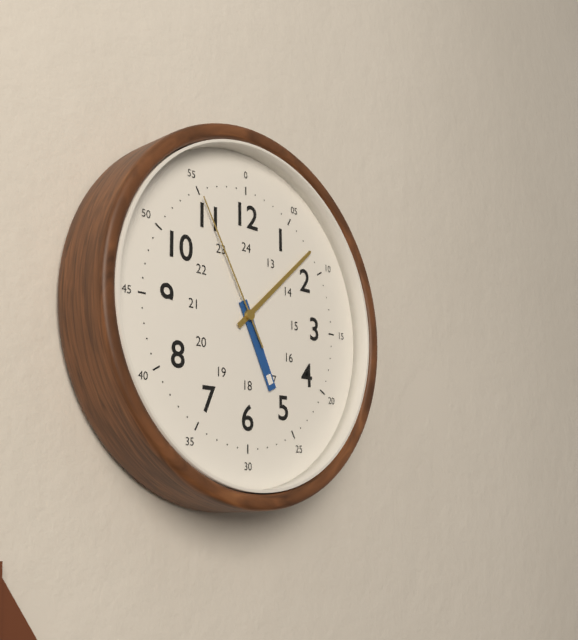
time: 5:08:55
